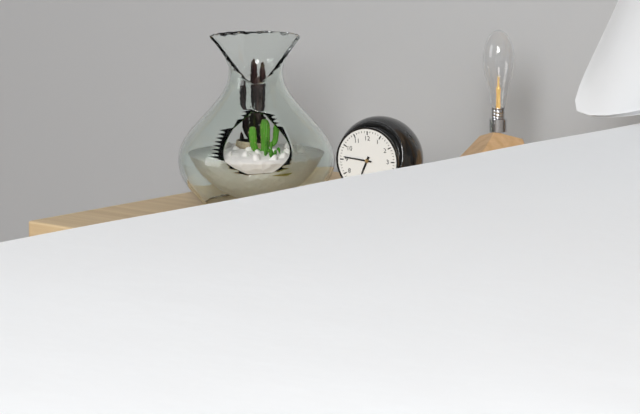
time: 6:46
